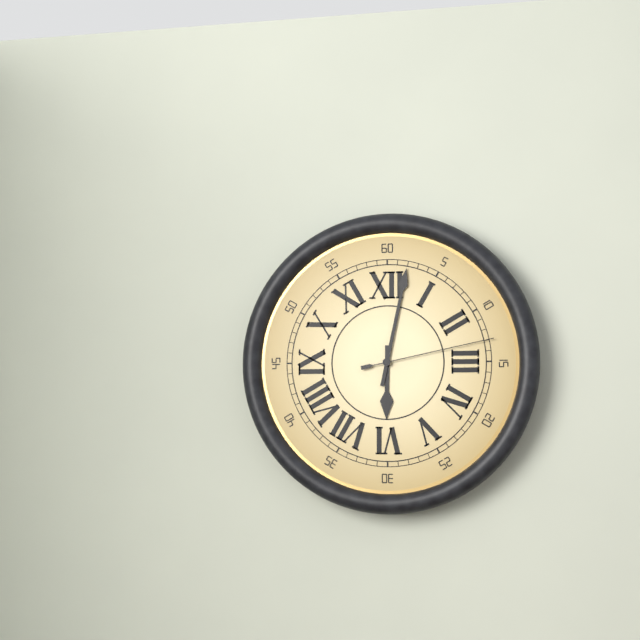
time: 6:02:13
